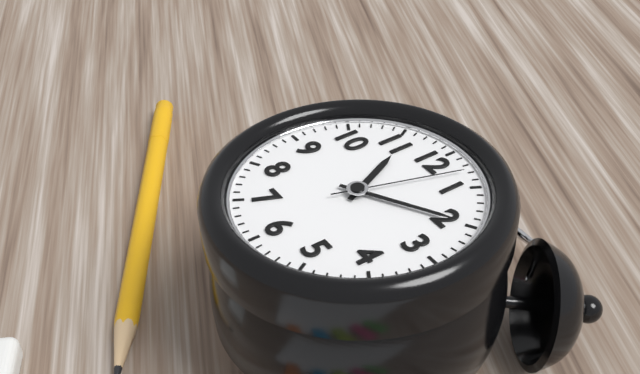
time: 11:10:03
